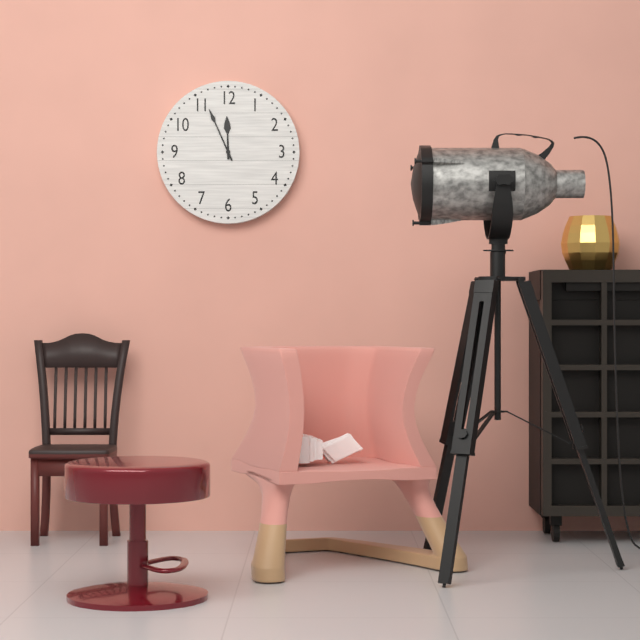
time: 11:56
